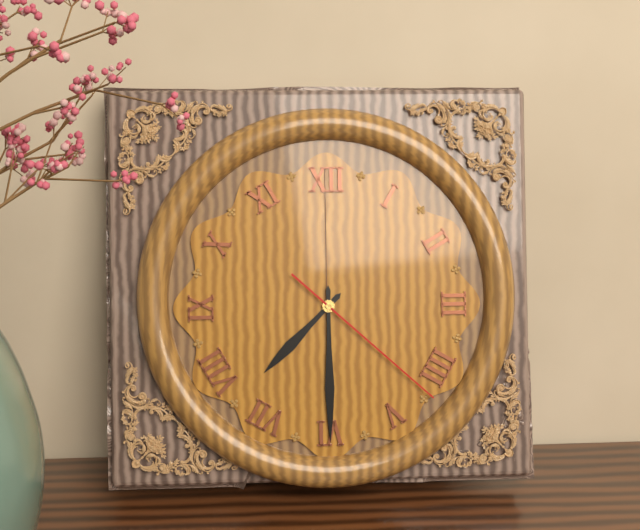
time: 7:30:22
